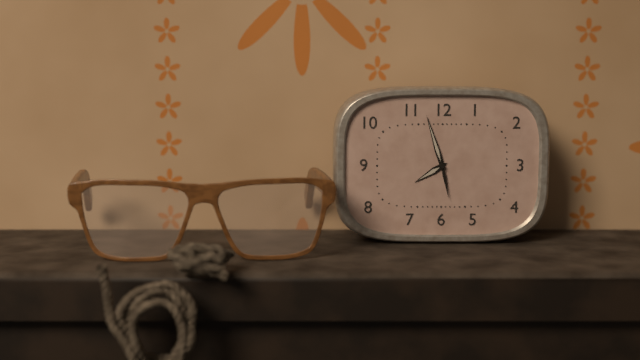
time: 7:57
